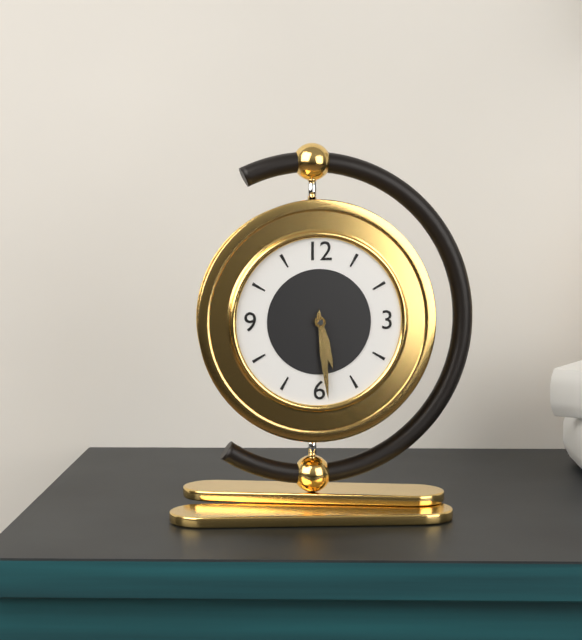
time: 5:29
